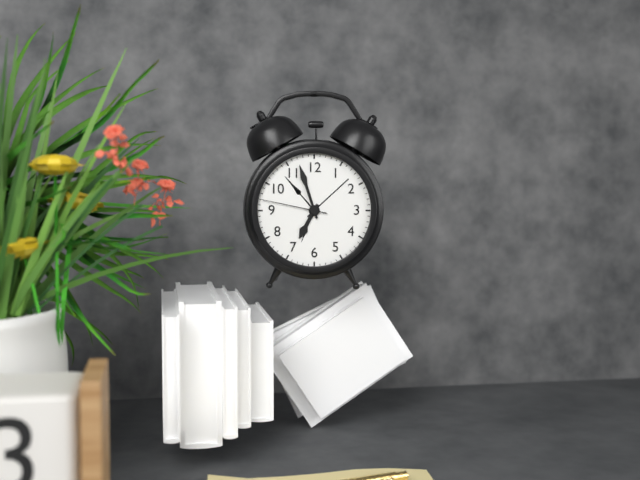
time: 6:57:47
